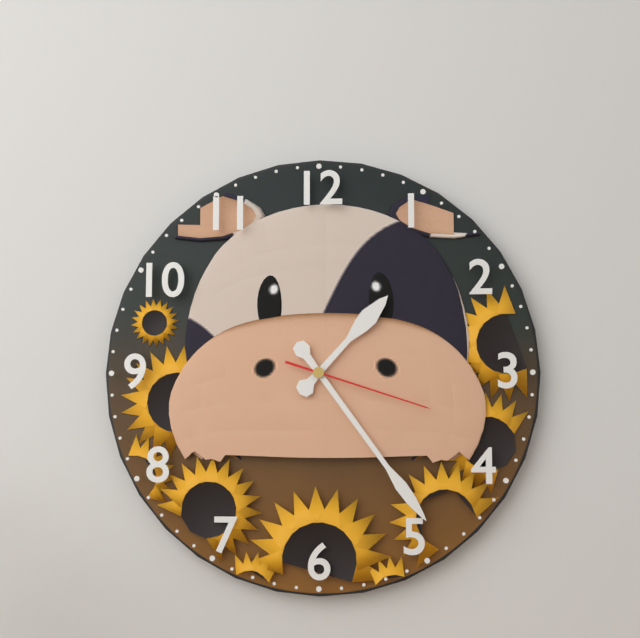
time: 1:24:18
